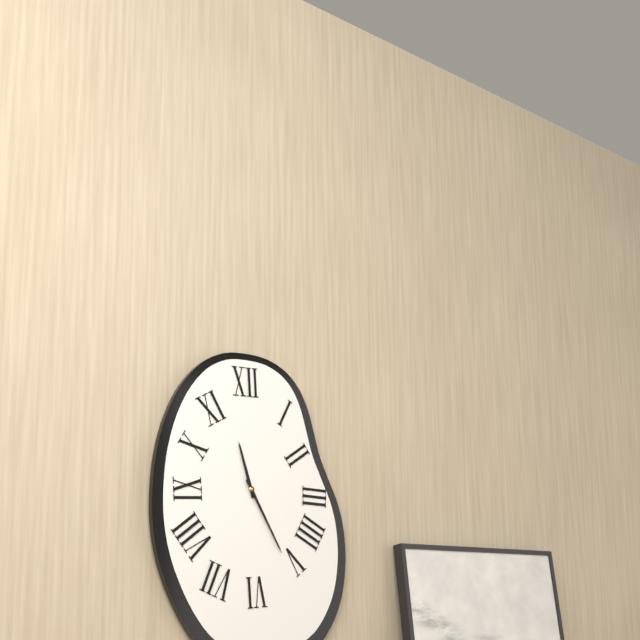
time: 11:25
